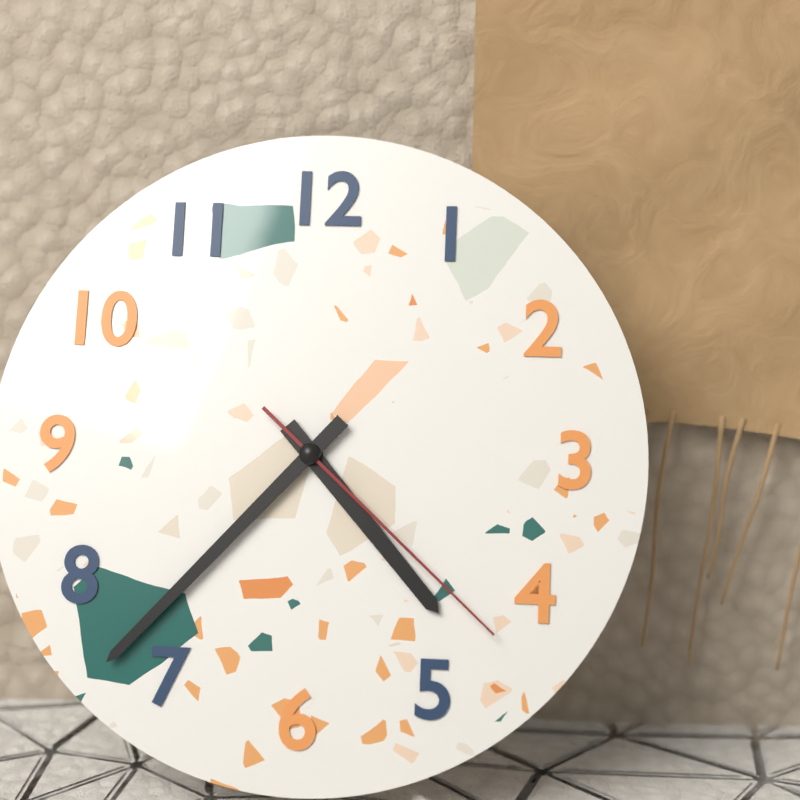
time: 4:37:22
